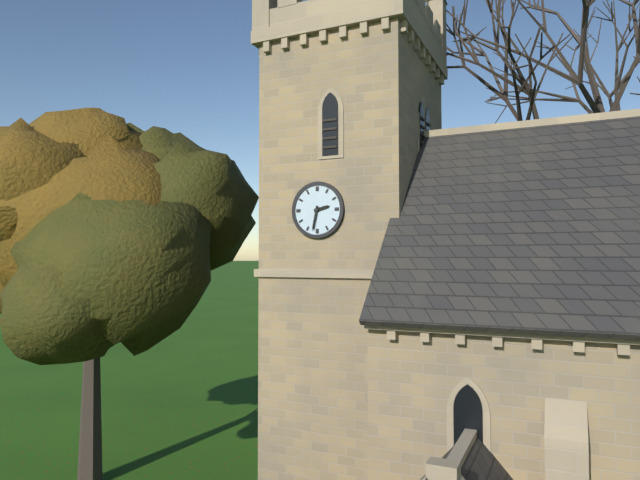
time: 2:32
